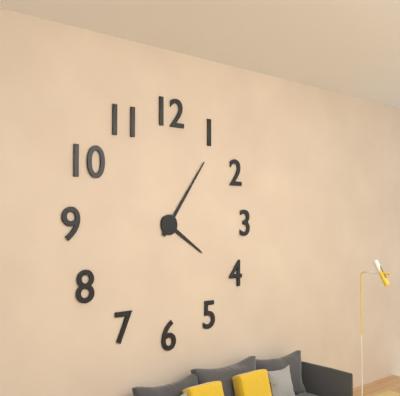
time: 4:06
